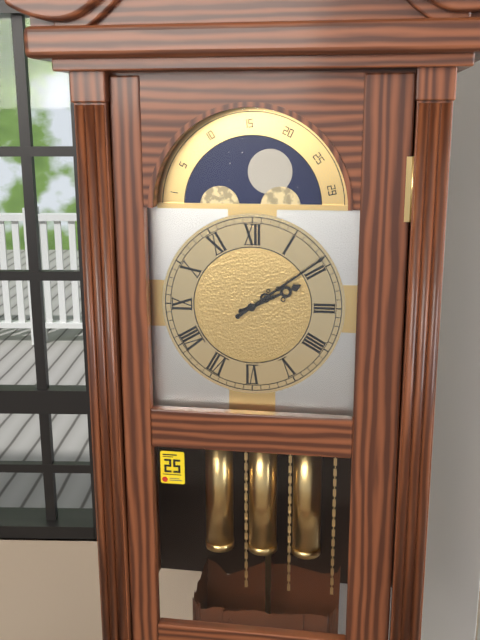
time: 2:09
